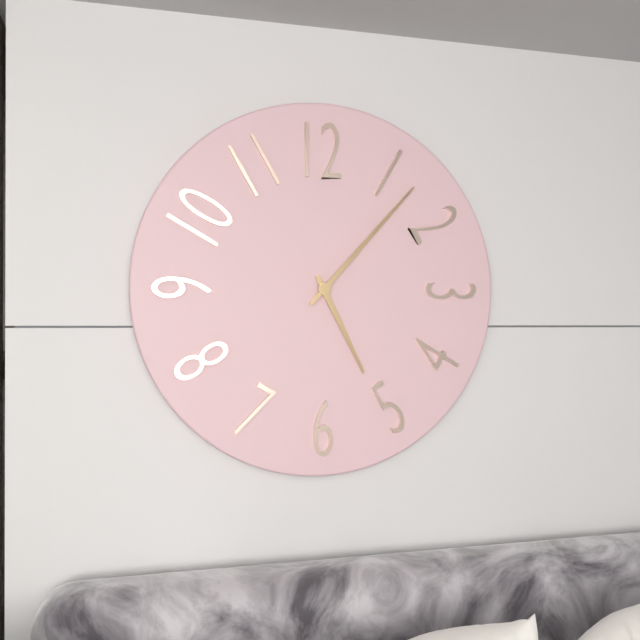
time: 5:07
